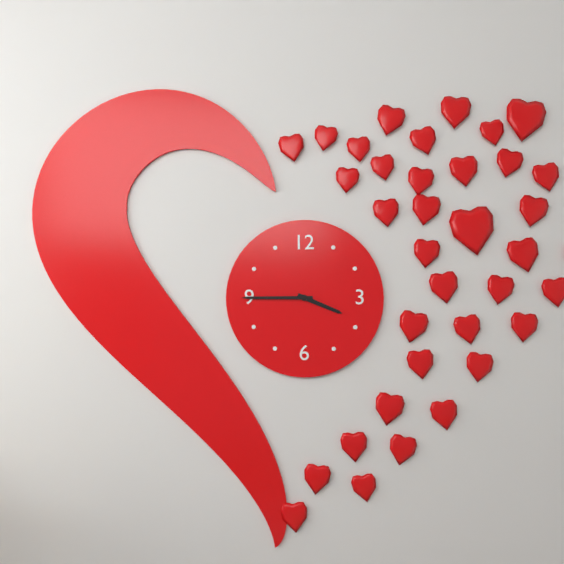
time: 3:45
